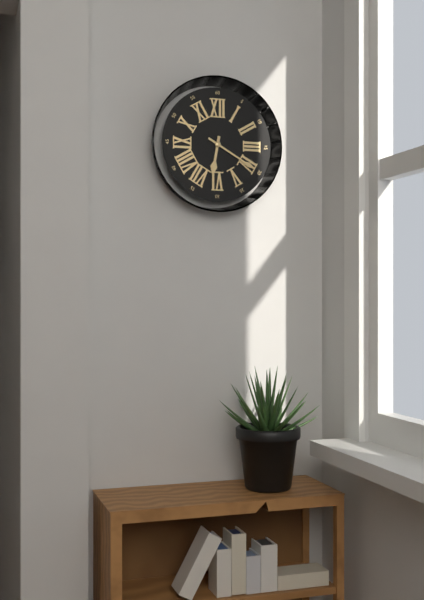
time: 6:20
